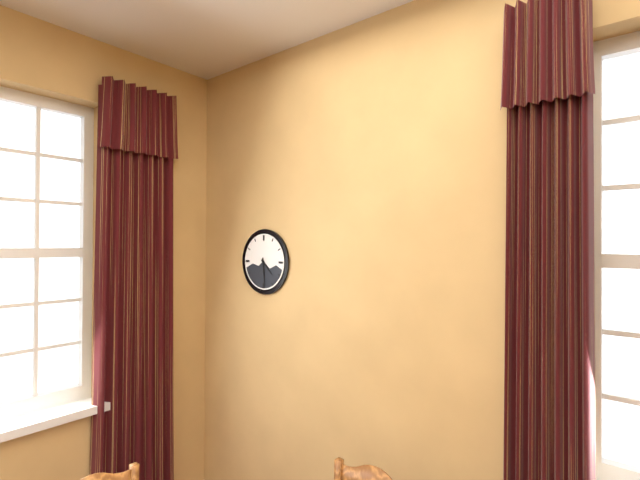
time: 4:29
